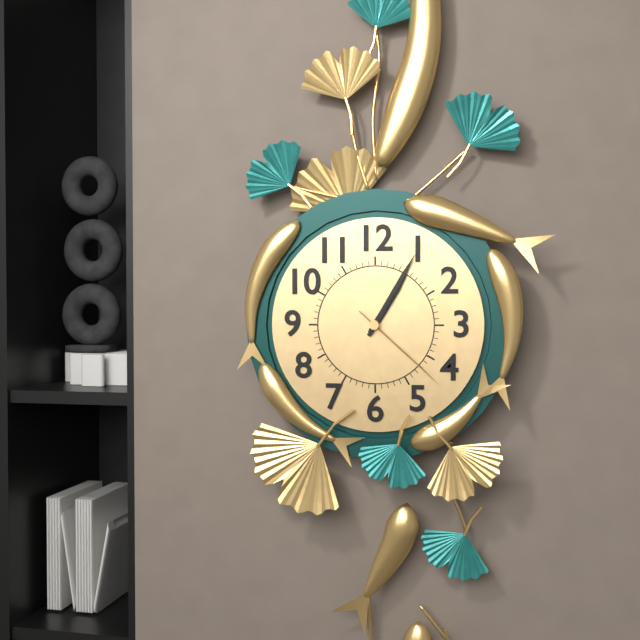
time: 1:05:22
